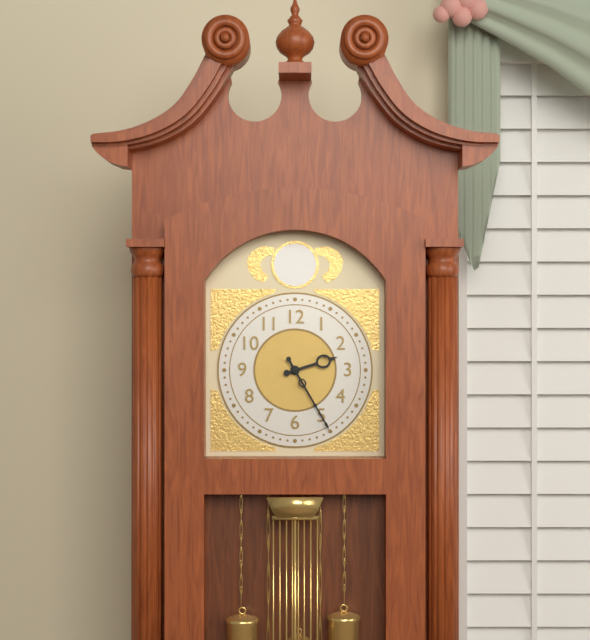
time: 2:25
